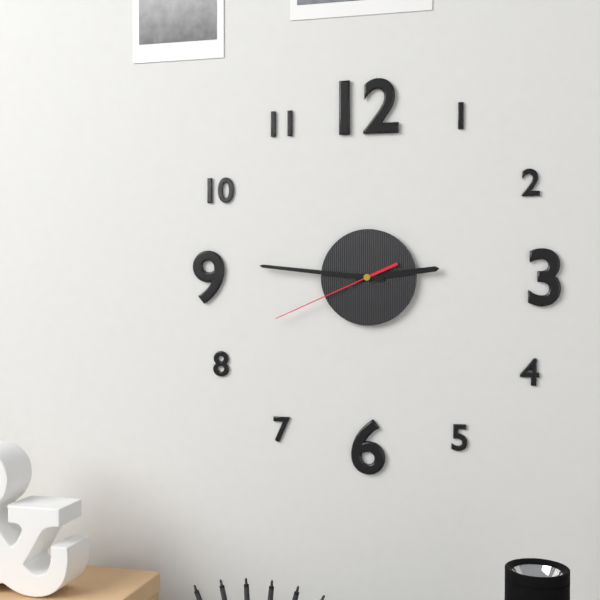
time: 2:46:41
